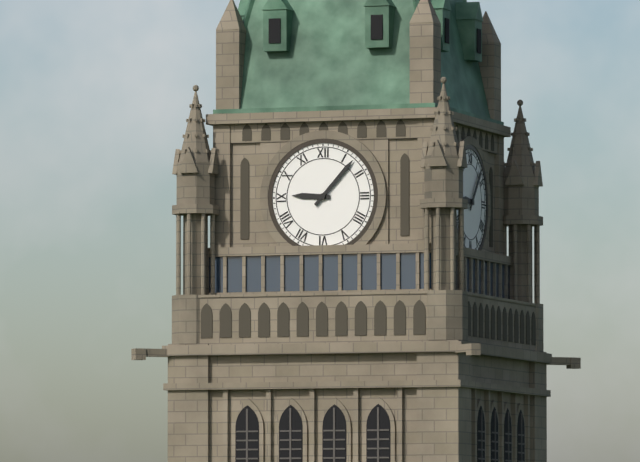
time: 9:07
